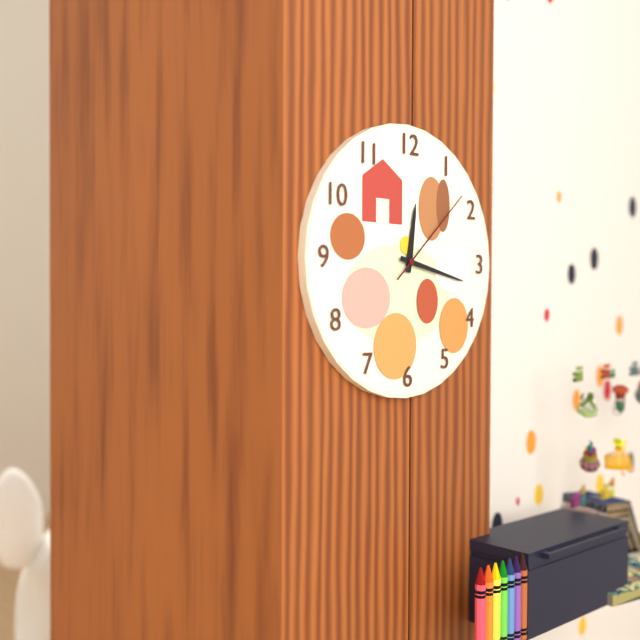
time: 12:17:08
